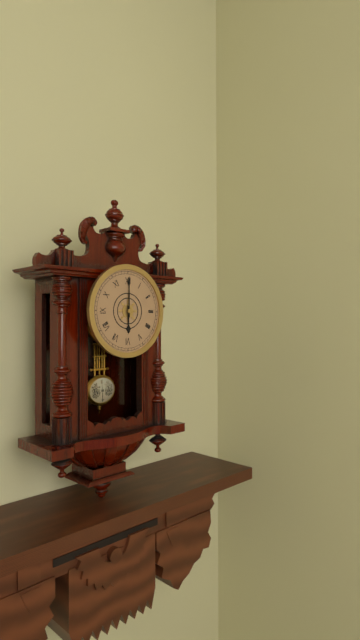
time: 6:00
